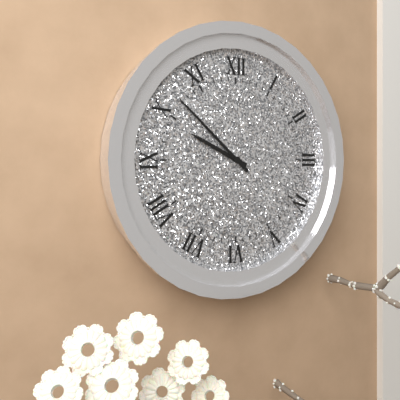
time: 9:52
